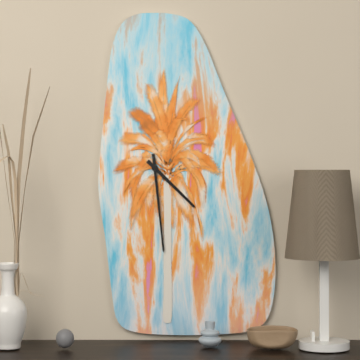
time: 4:29
